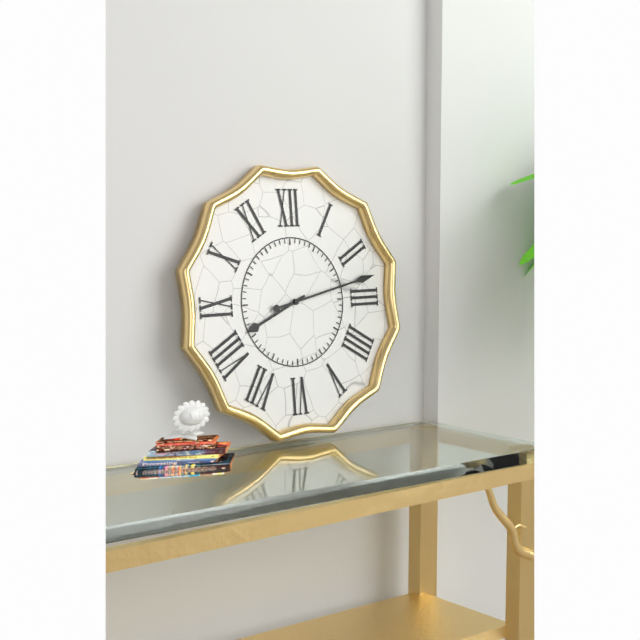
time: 8:13
